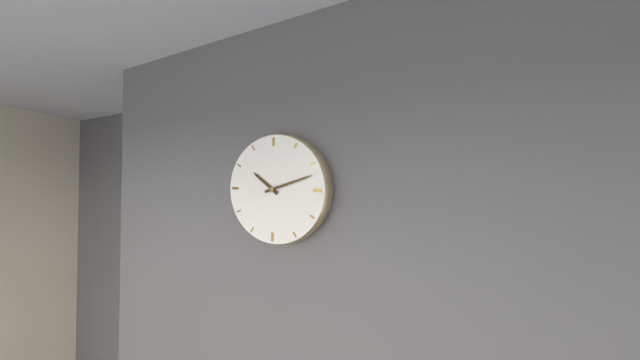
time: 10:12
